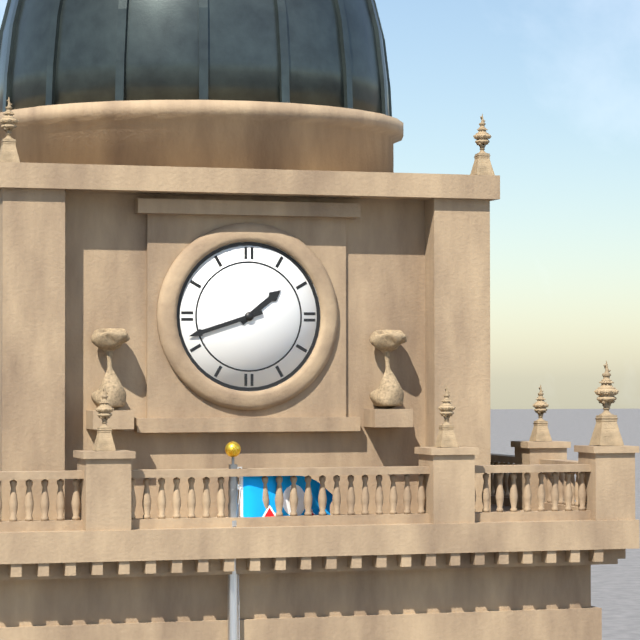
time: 1:42
